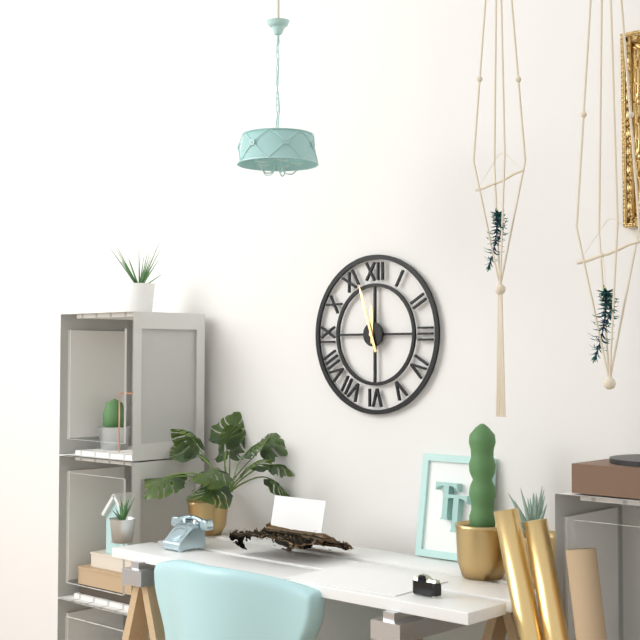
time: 11:57
